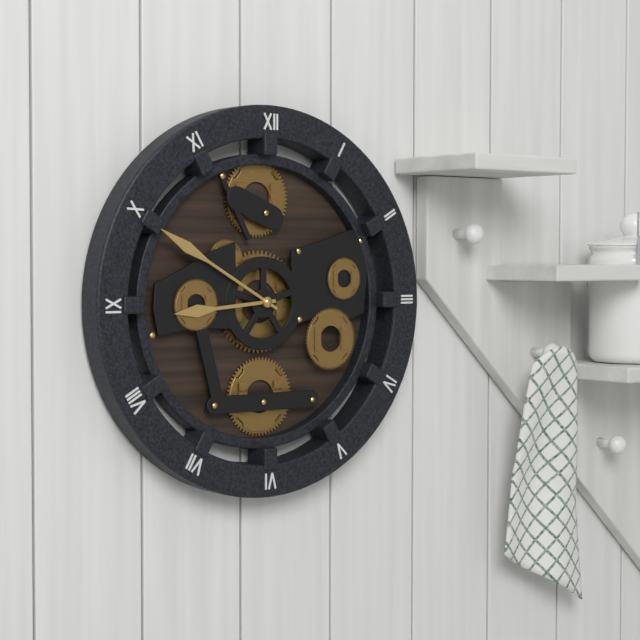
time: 8:50
